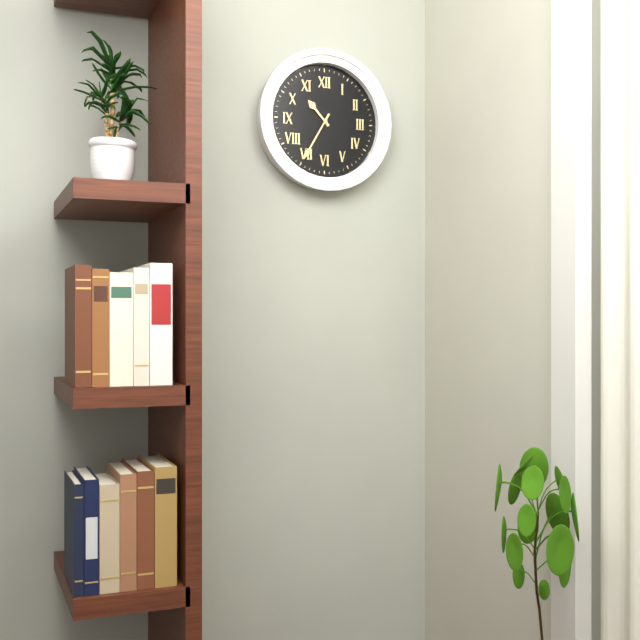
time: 10:35
